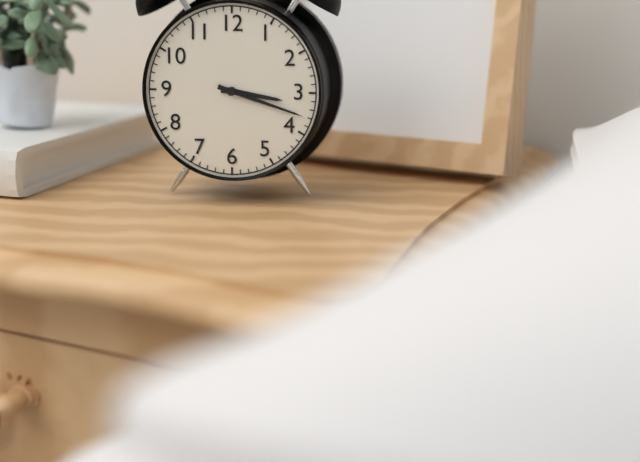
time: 3:18
